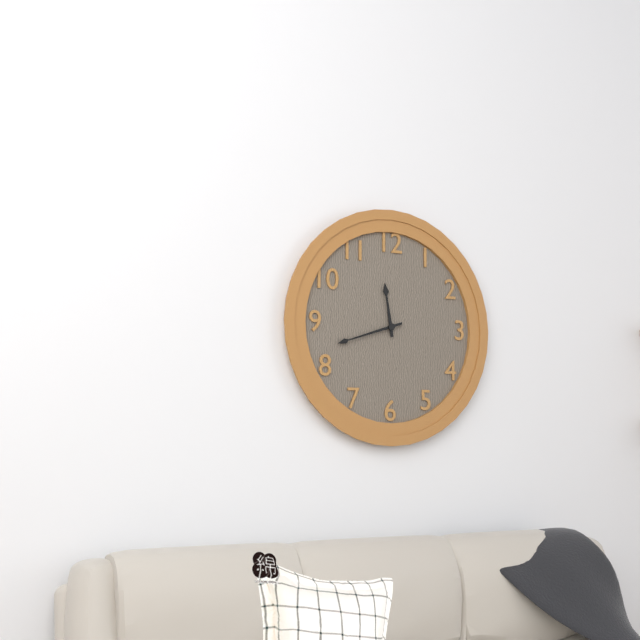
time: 11:42
